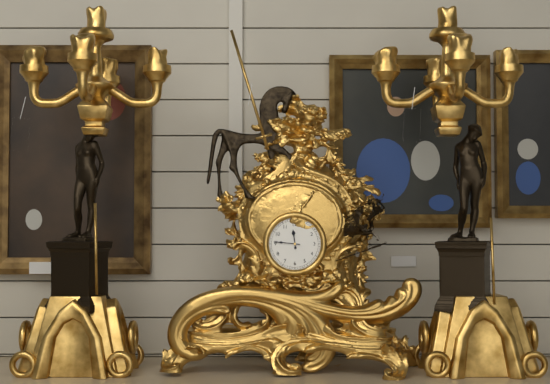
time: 11:46
